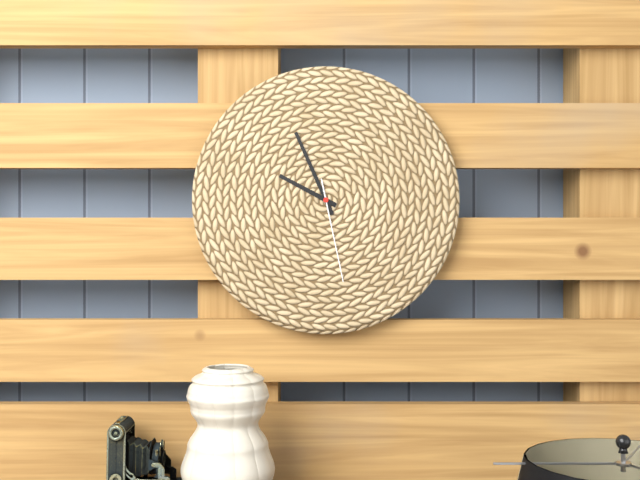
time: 9:56:28
